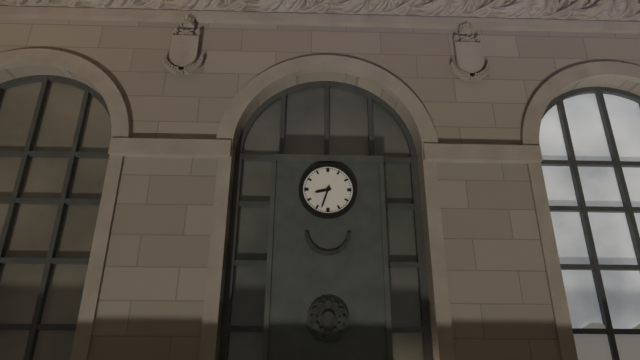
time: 8:33
